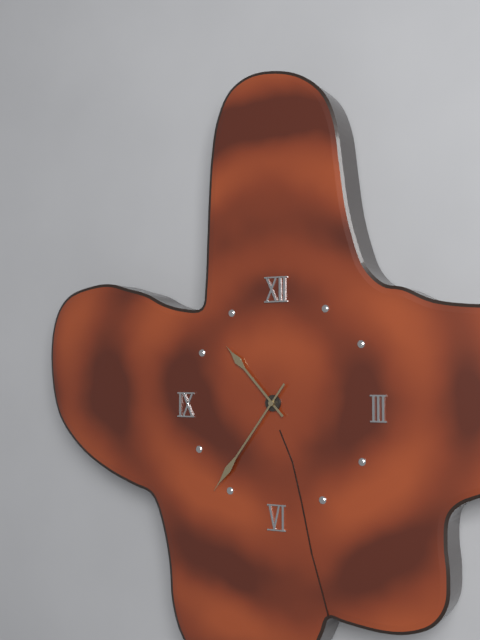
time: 10:36
